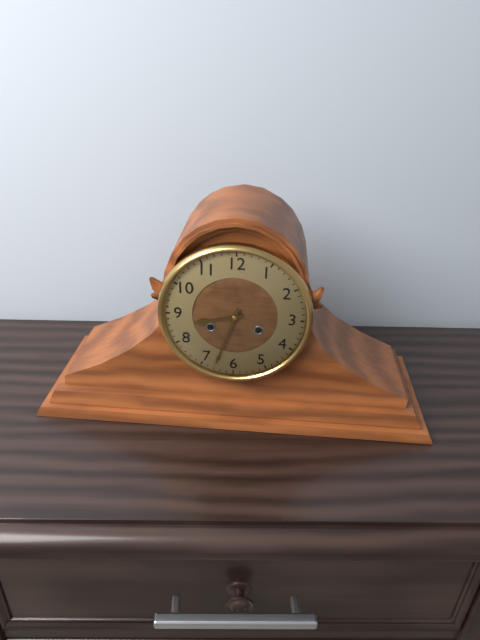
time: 8:33
